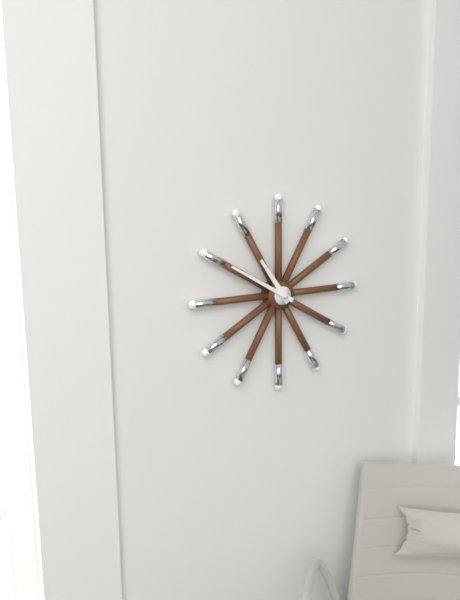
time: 10:50
